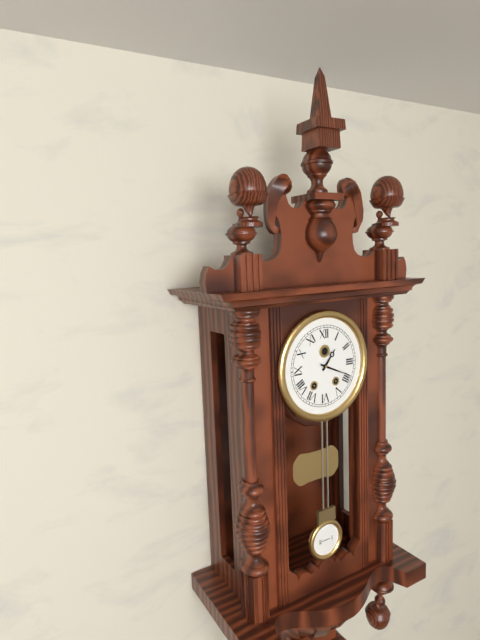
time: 1:19
